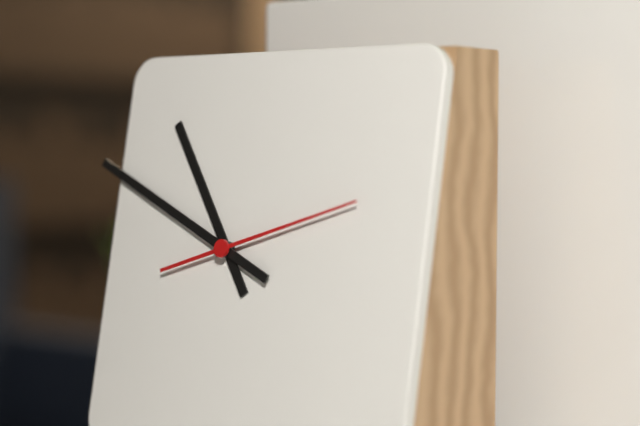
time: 10:49:12
